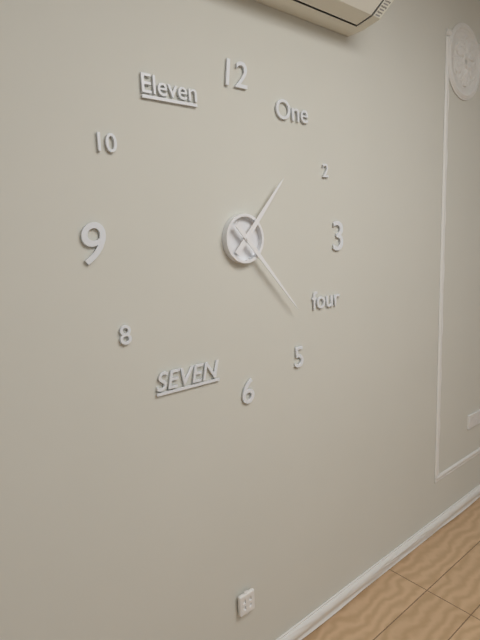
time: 1:23
